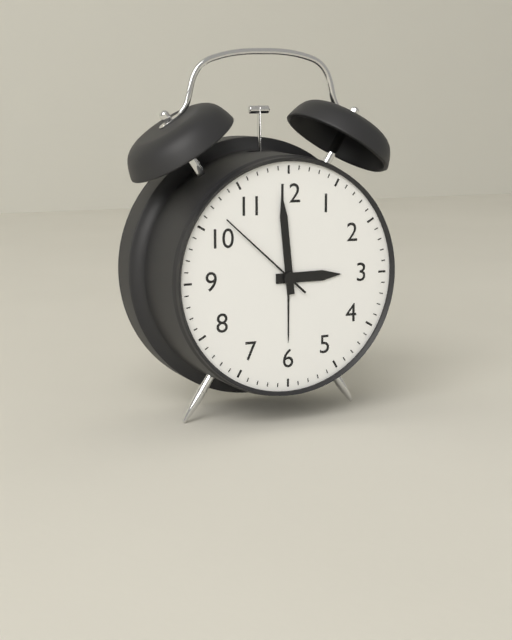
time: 2:59:52
